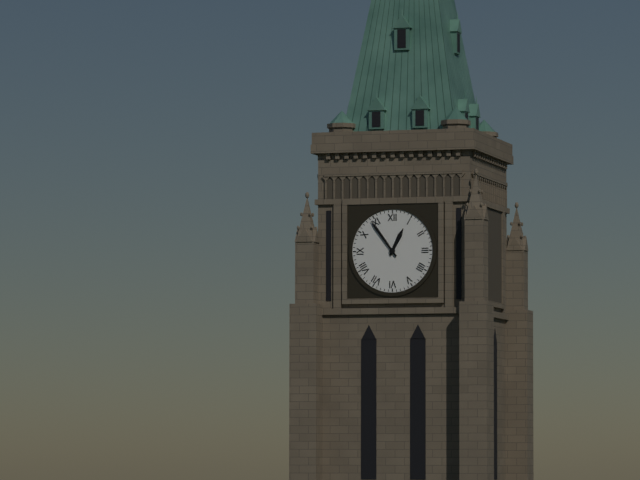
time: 12:54
